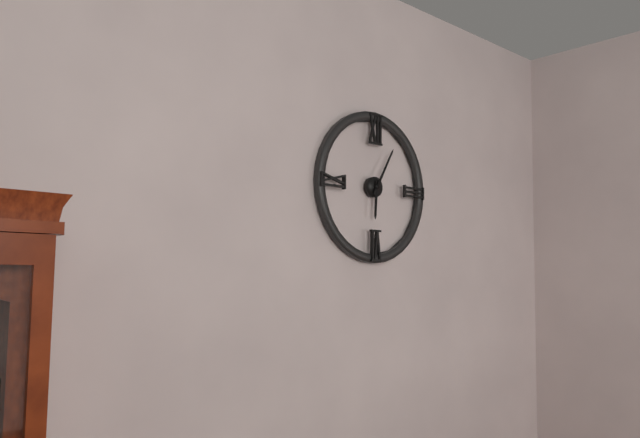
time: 6:05
